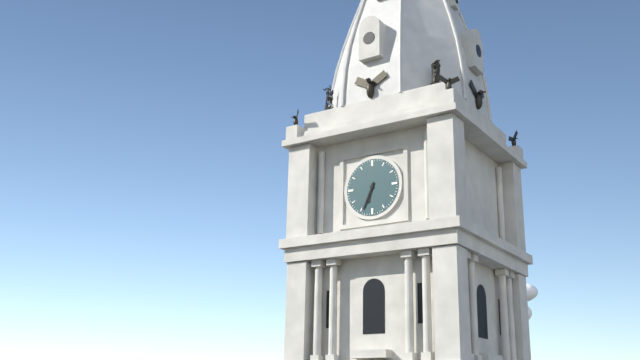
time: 6:34
